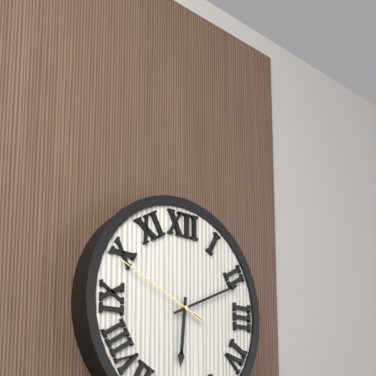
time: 6:11:49
